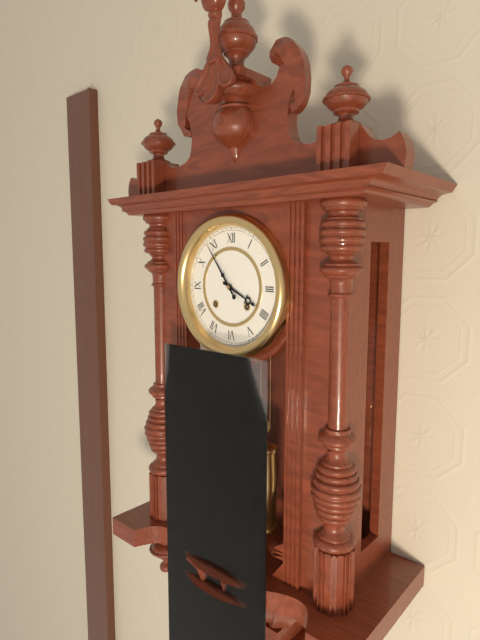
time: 3:54
